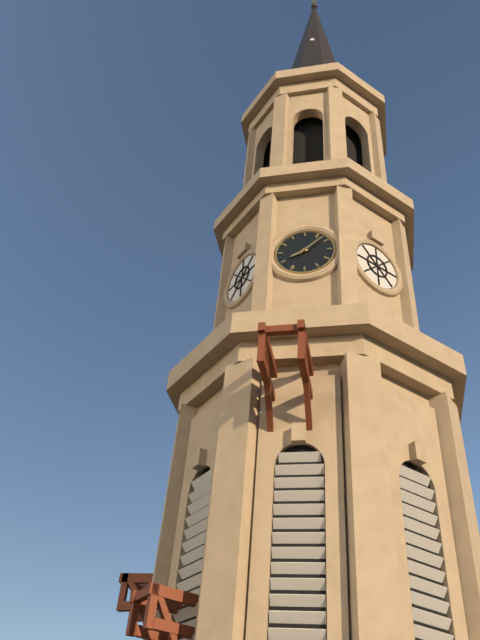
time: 8:08
